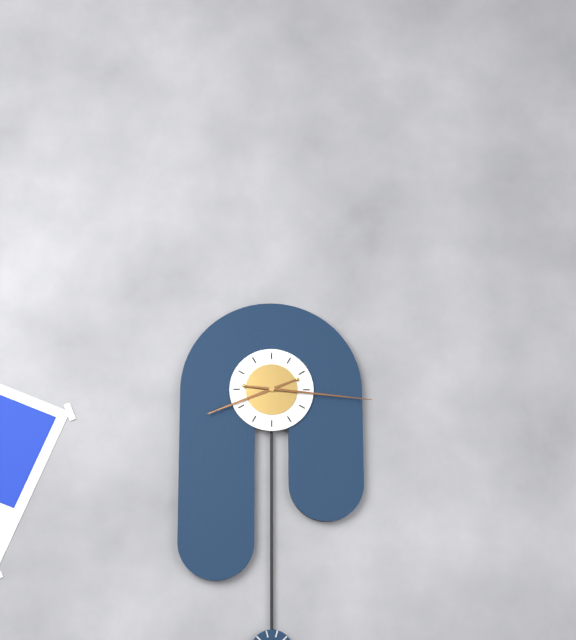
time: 8:16
